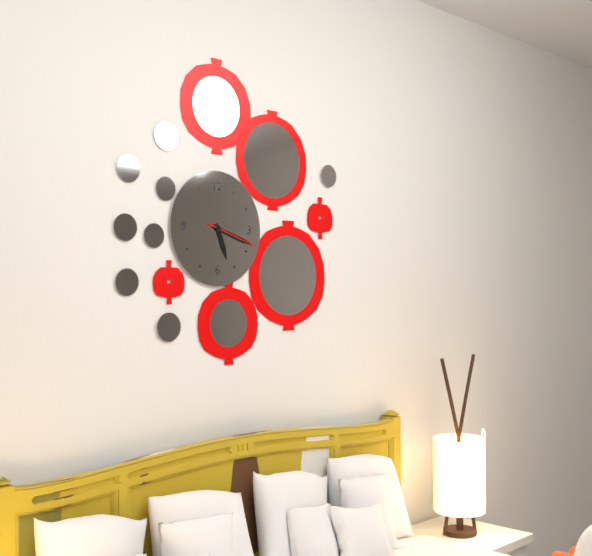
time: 5:18
